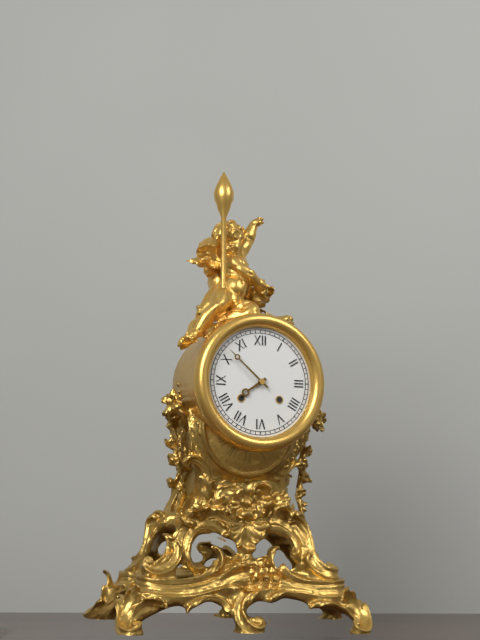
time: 7:52
